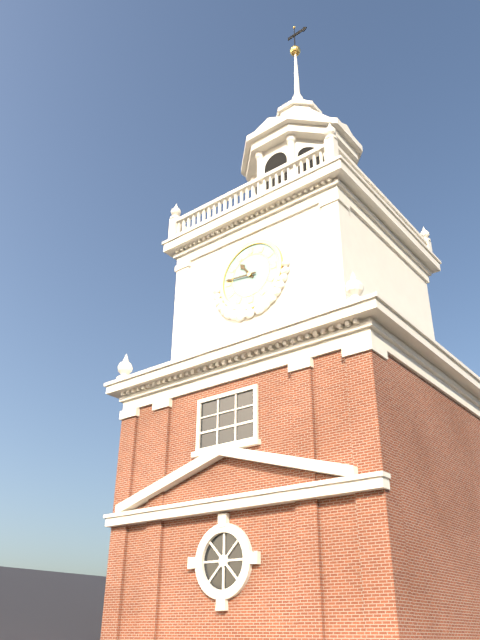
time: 10:46
